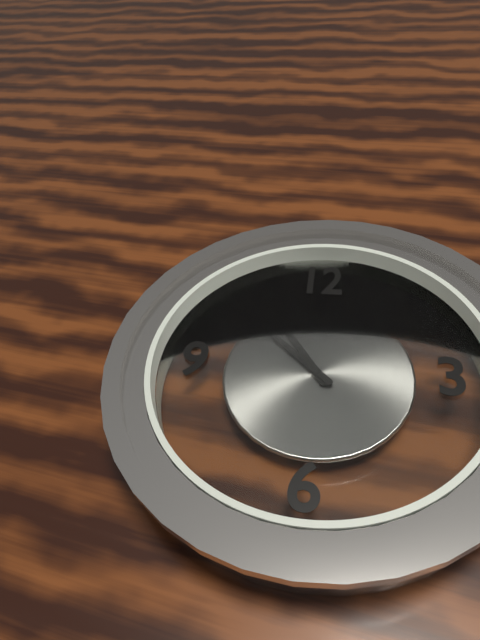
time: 10:52
